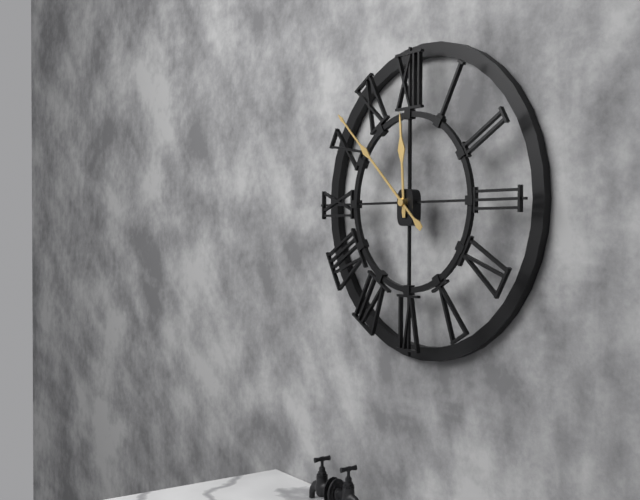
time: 11:52
